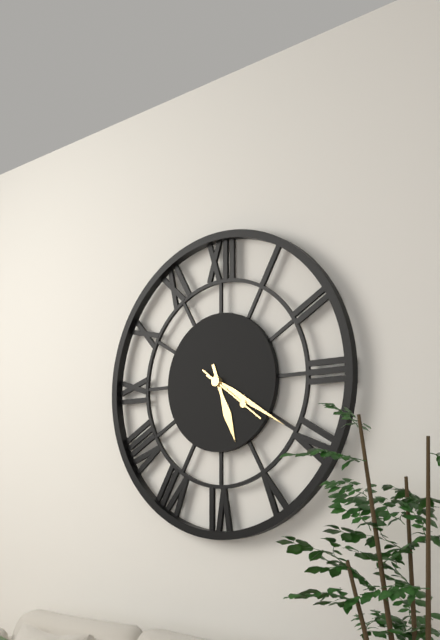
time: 5:20:21
